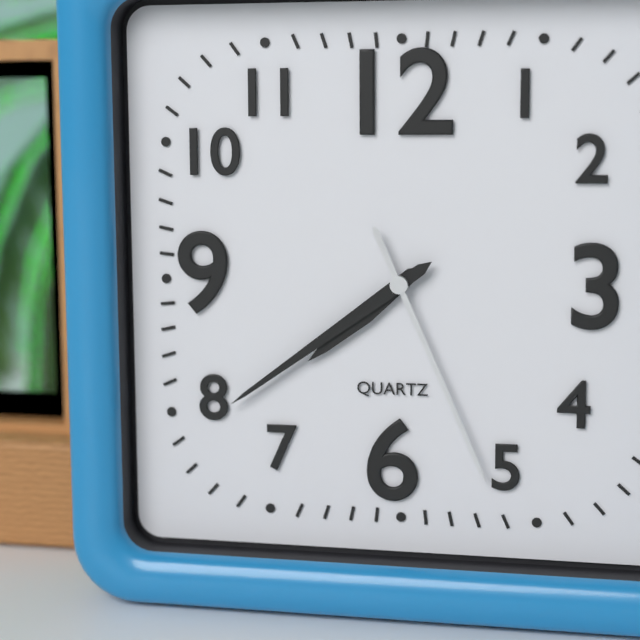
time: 7:39:26
